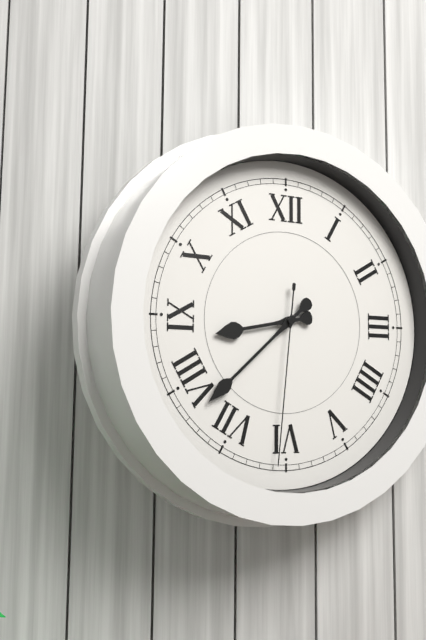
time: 8:38:31
